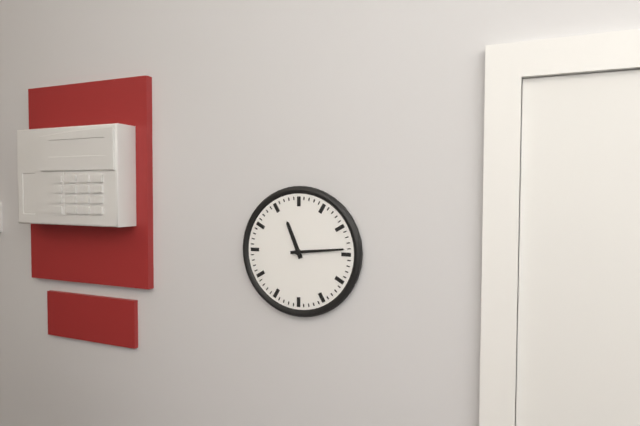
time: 11:14
